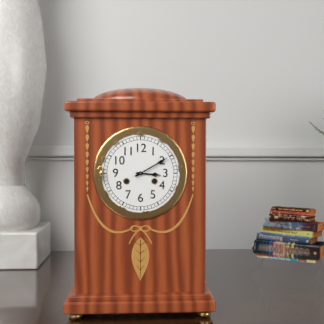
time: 3:10
